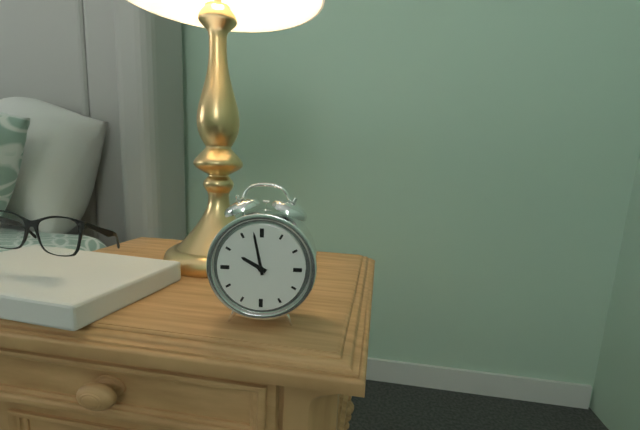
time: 9:58
